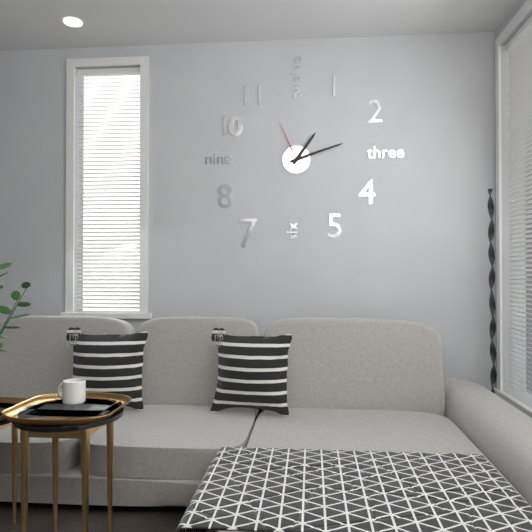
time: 1:12:56
